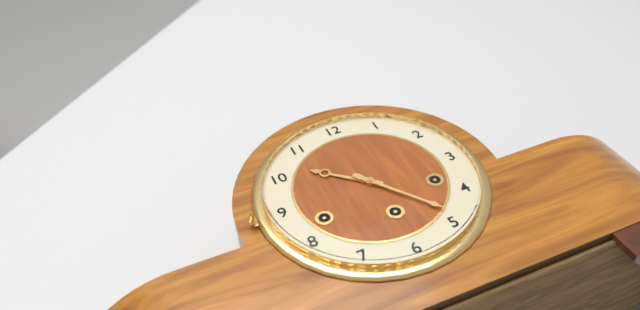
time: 10:24
